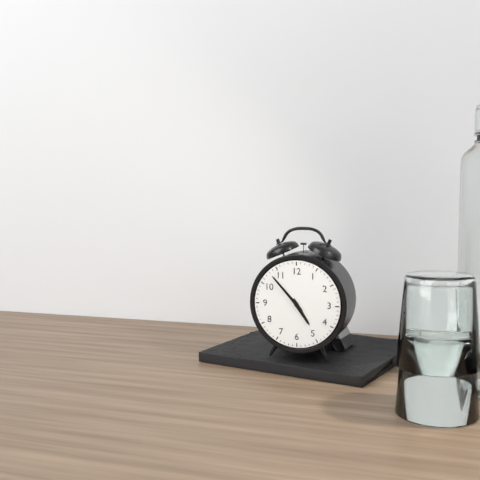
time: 4:53
